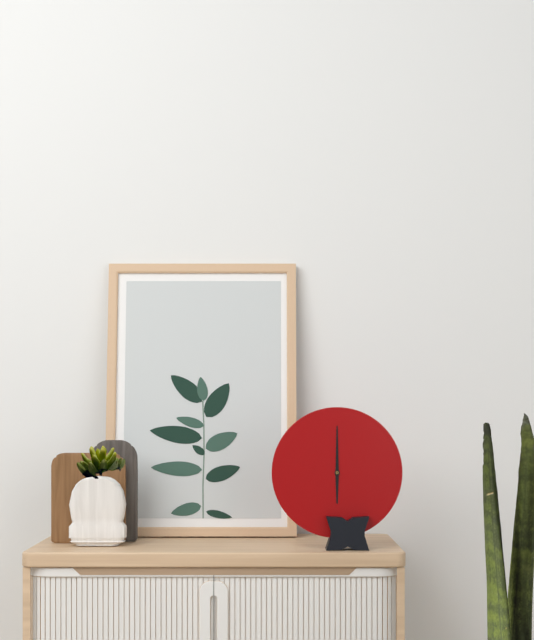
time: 6:00
